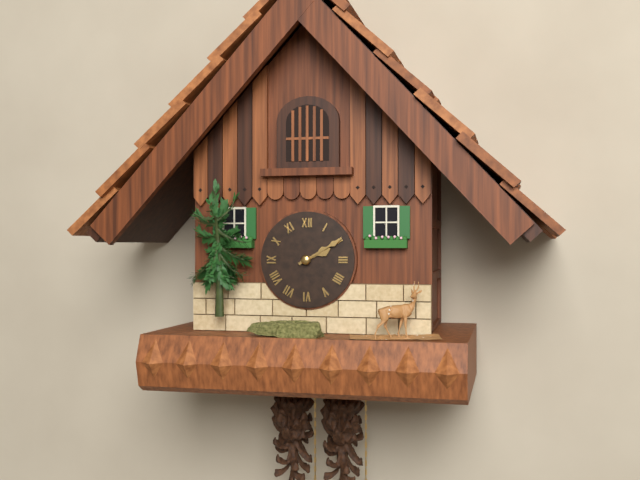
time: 2:10
